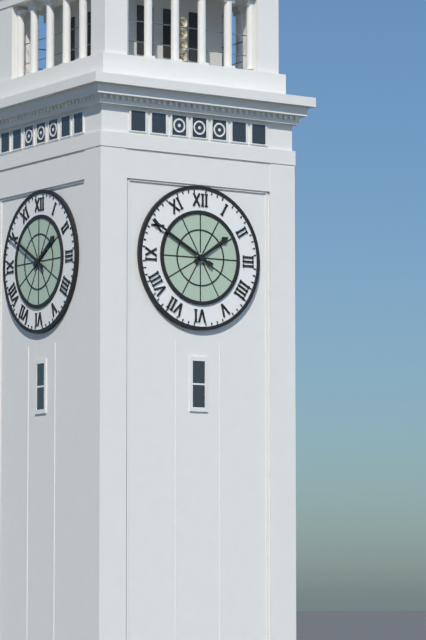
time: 1:50
